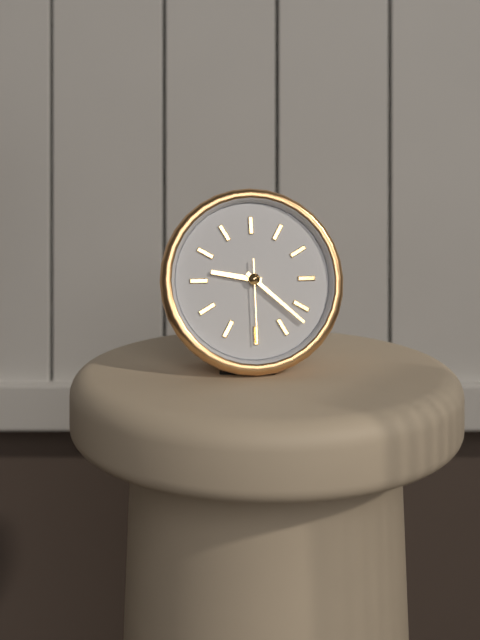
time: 9:22:30
